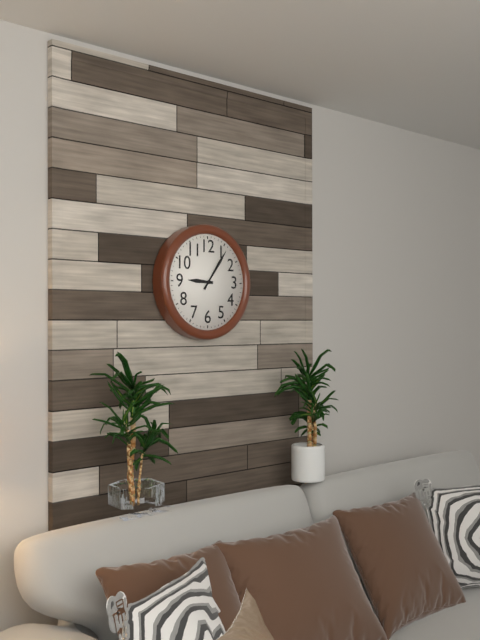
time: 9:06
